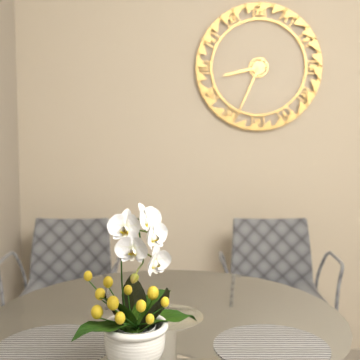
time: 8:34
